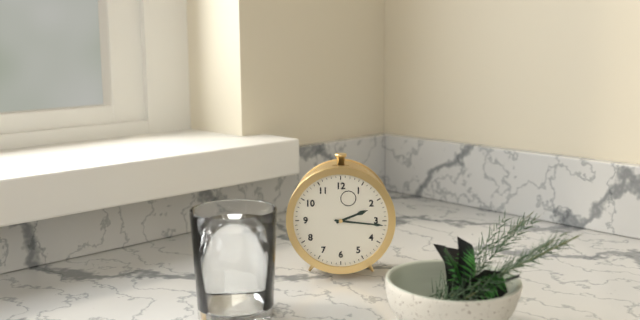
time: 2:16
